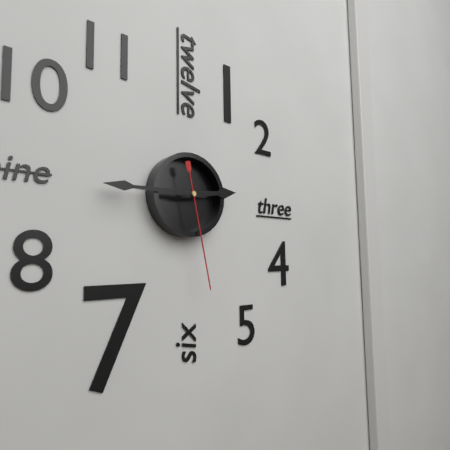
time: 2:45:28
